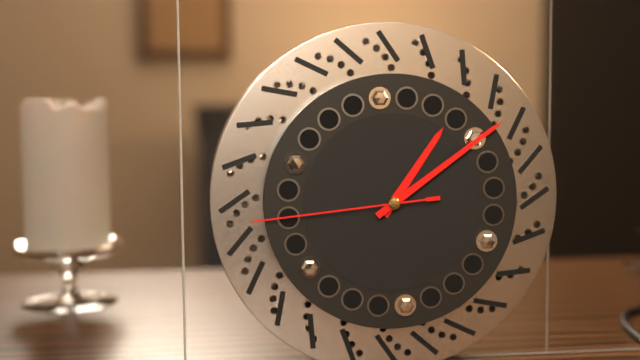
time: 1:09:44
